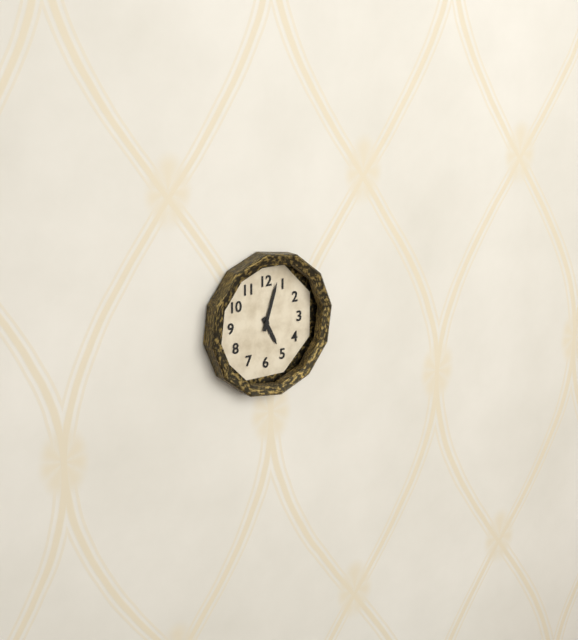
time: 5:03
